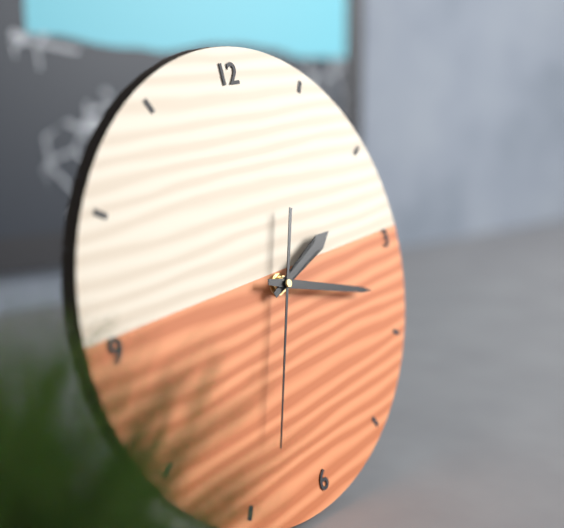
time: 2:18:34
